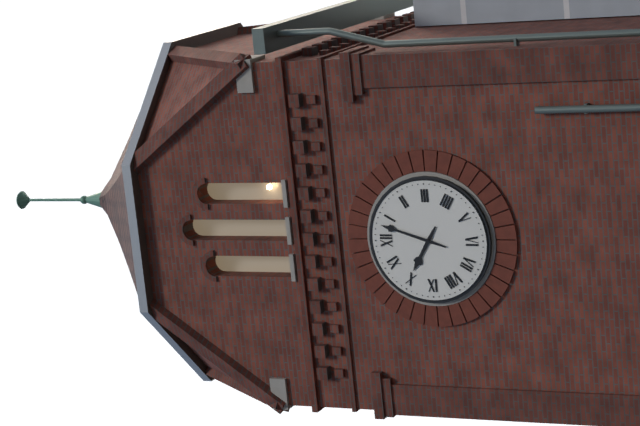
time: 10:03
